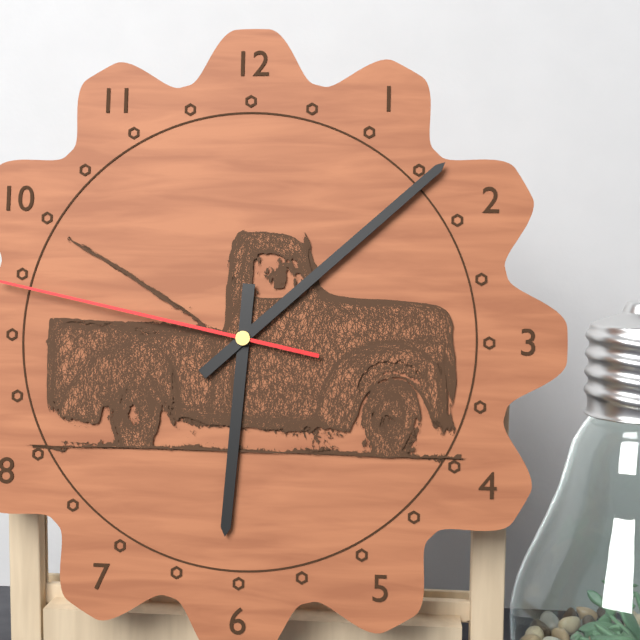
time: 6:08
